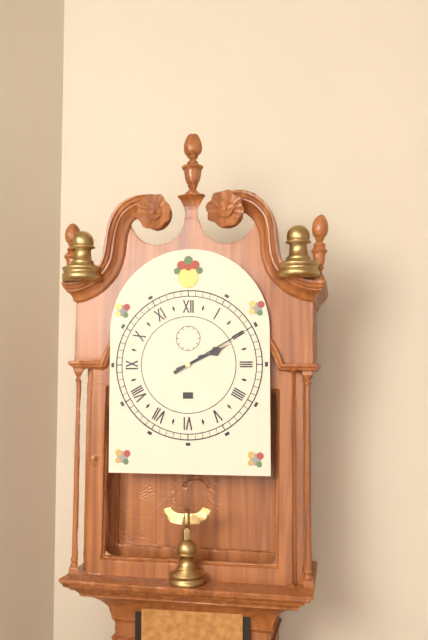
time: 2:10
